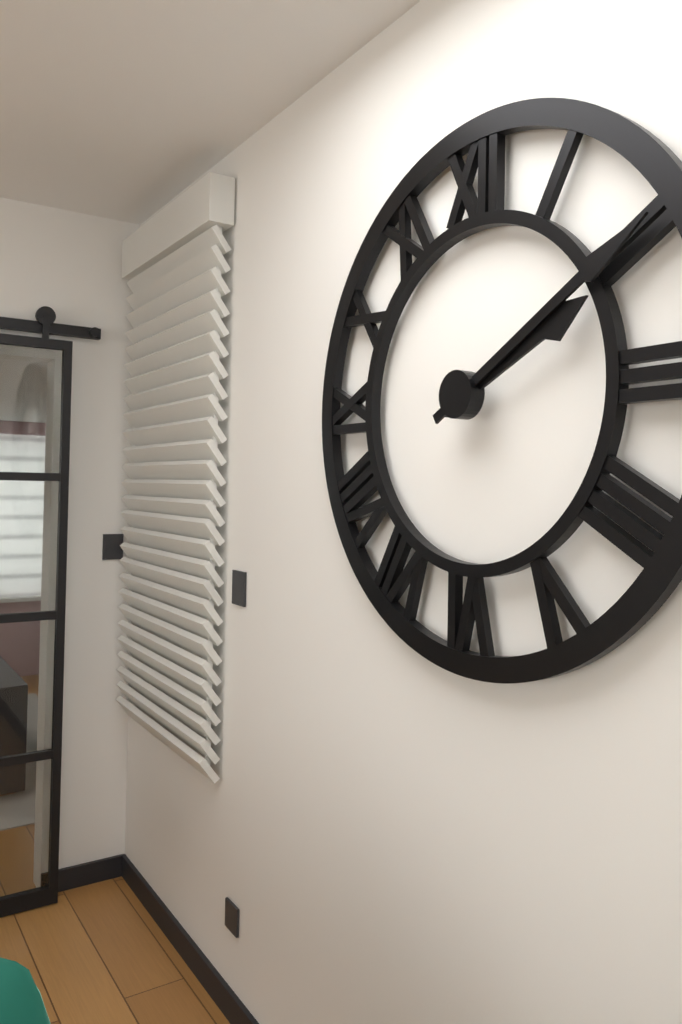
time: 2:10
